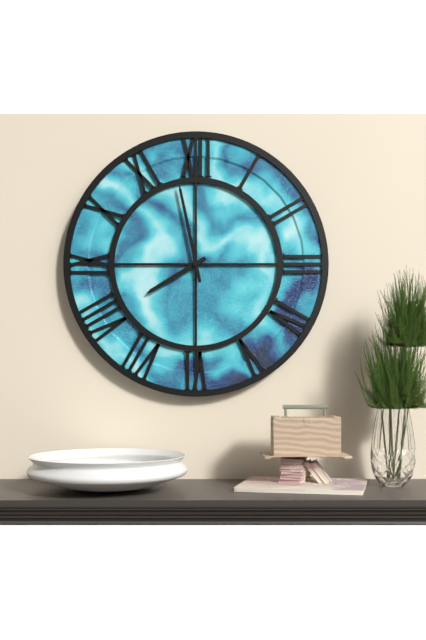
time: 7:58
